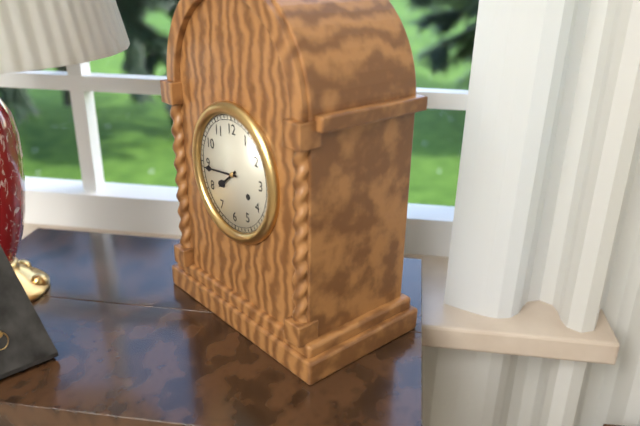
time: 7:44
